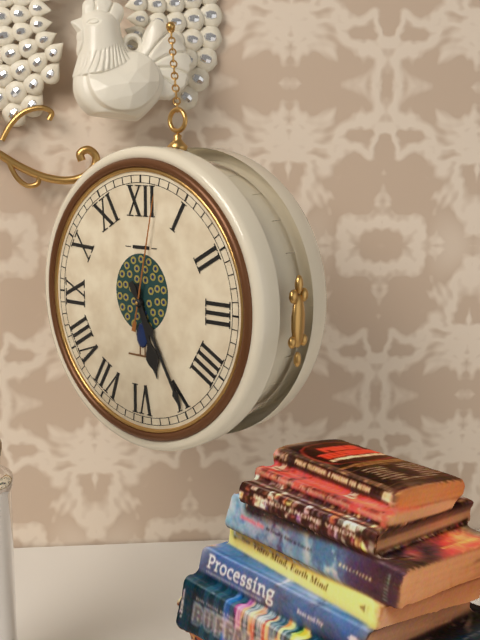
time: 5:25:02
